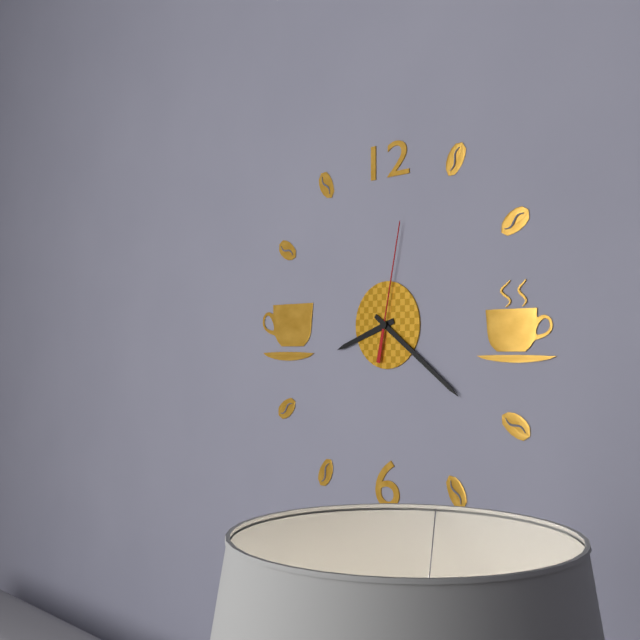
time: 8:21:02
